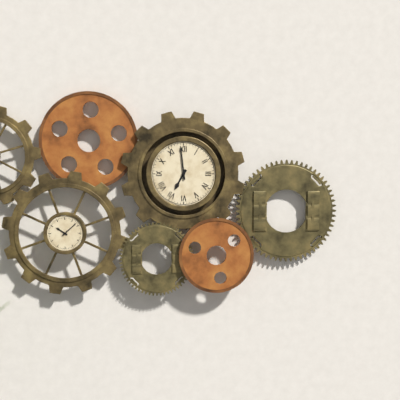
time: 6:59
